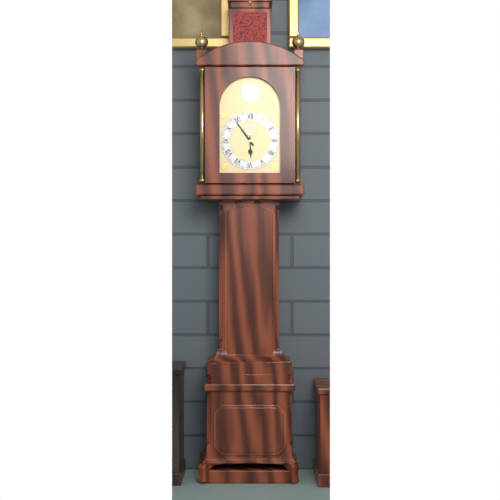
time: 5:54
